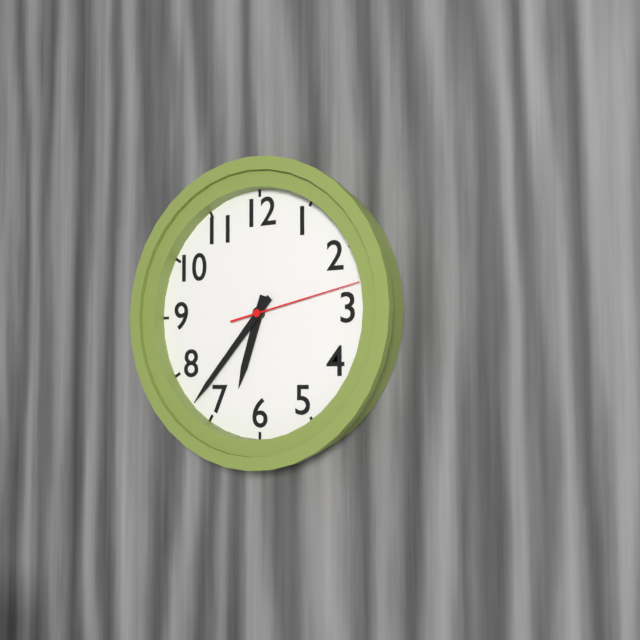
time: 6:37:13
